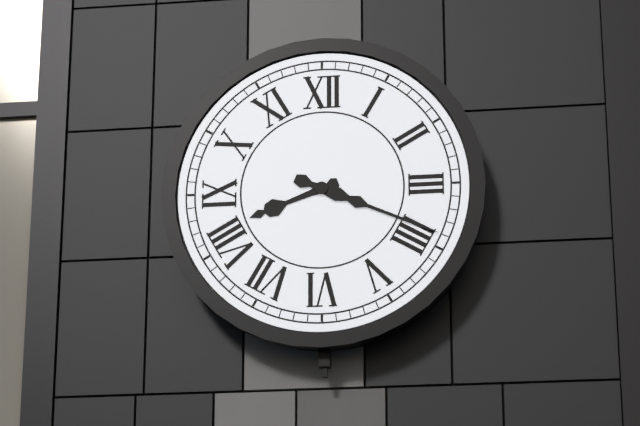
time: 8:19
